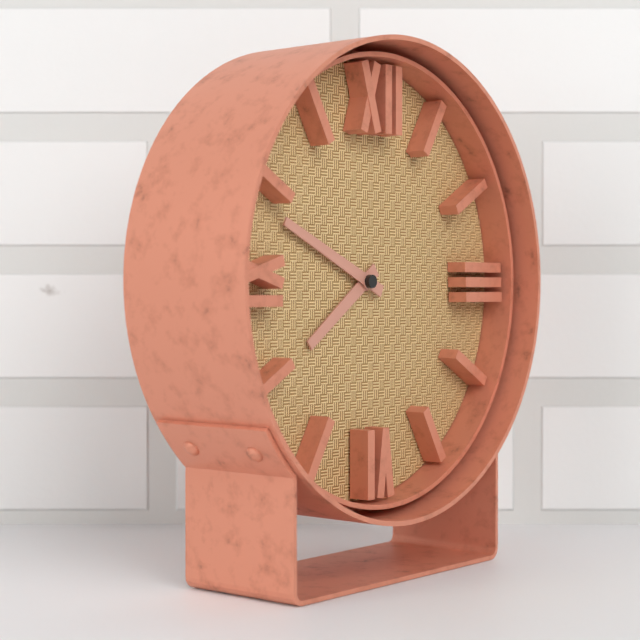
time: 7:49
